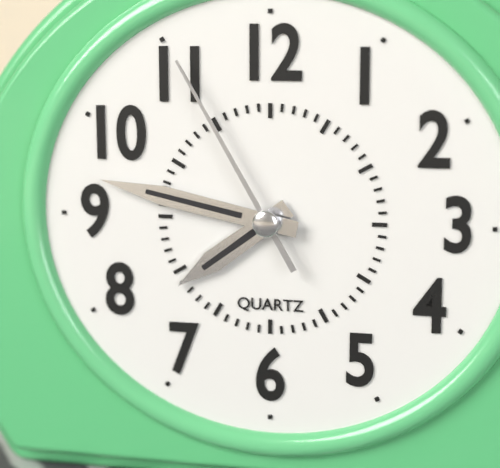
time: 7:47:55
